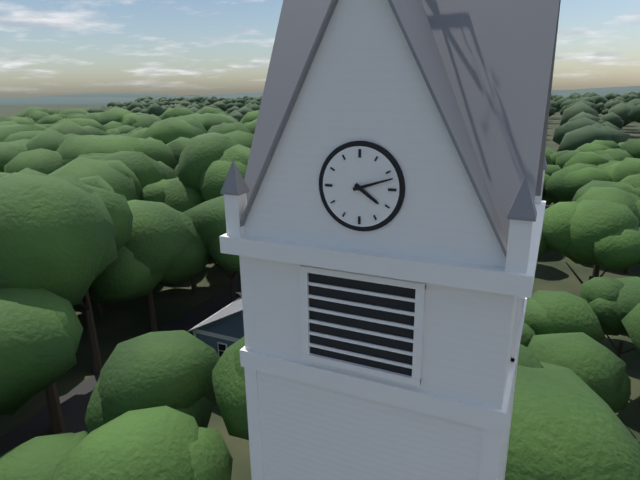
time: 4:12
